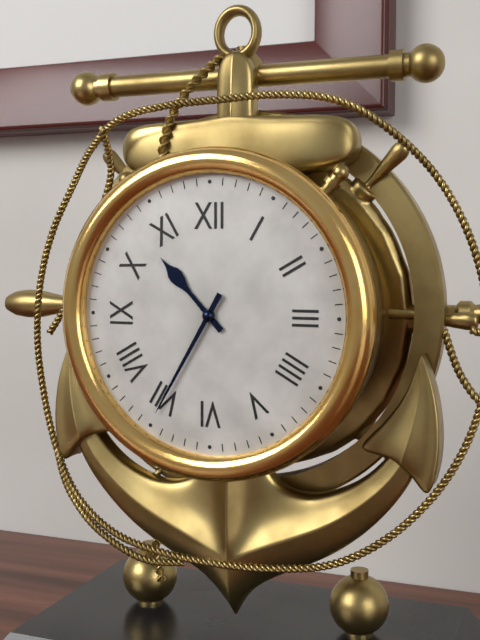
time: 10:35
